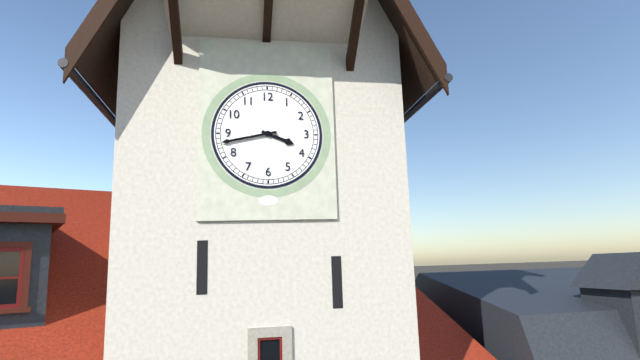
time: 3:43
